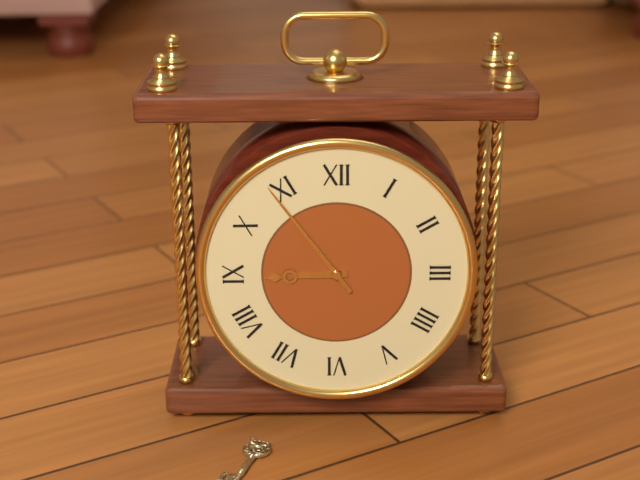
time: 8:54
